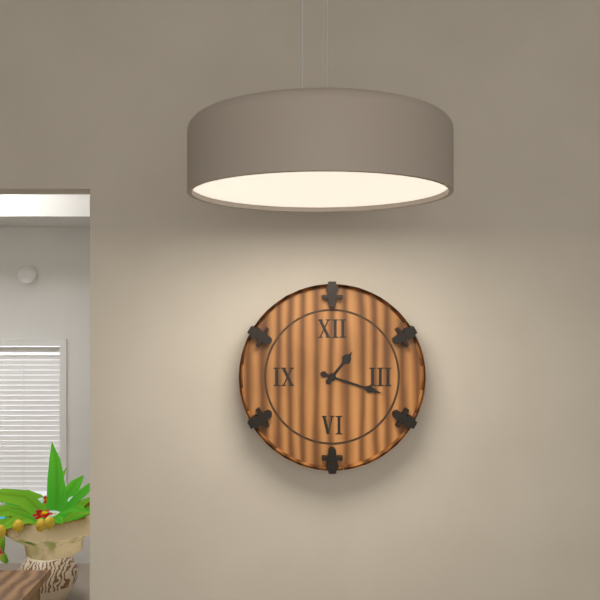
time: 1:18
